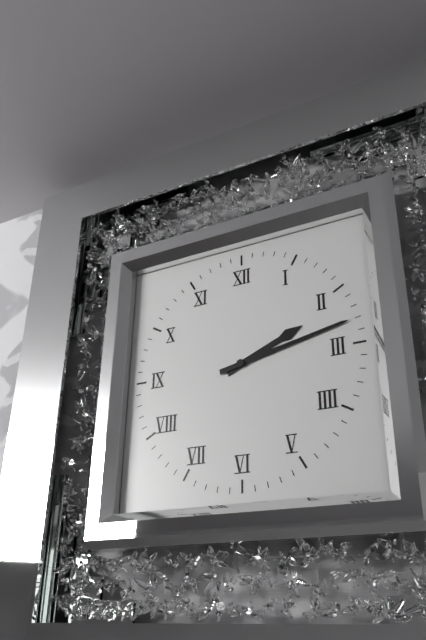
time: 2:13
